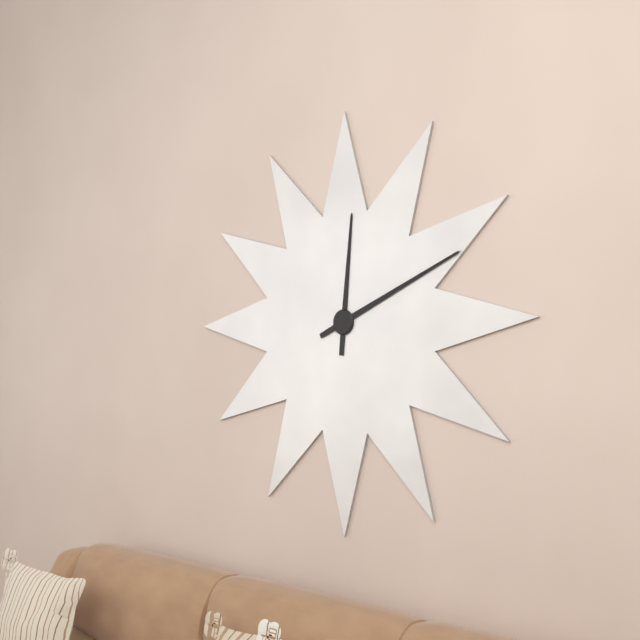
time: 12:11
